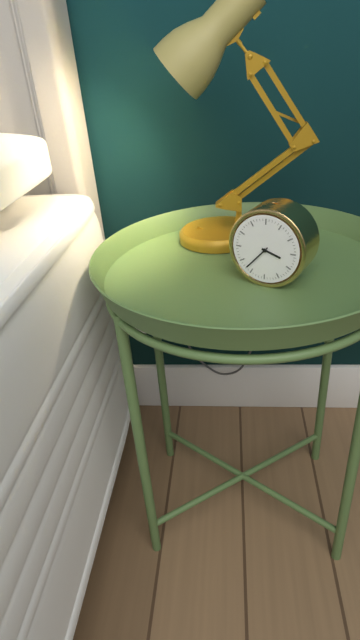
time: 3:37
